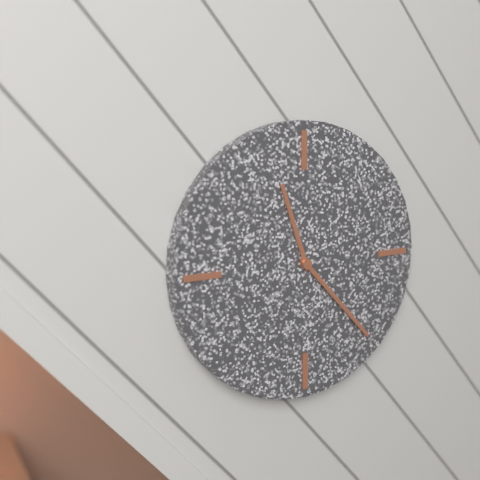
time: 11:23
